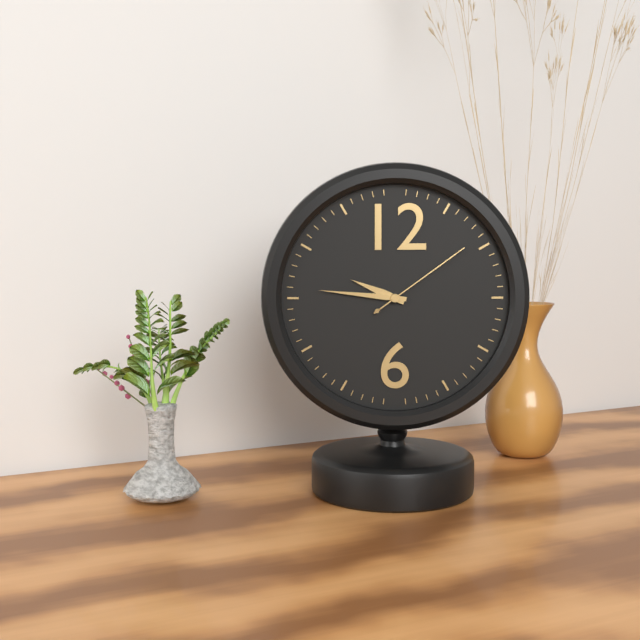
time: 9:46:09
